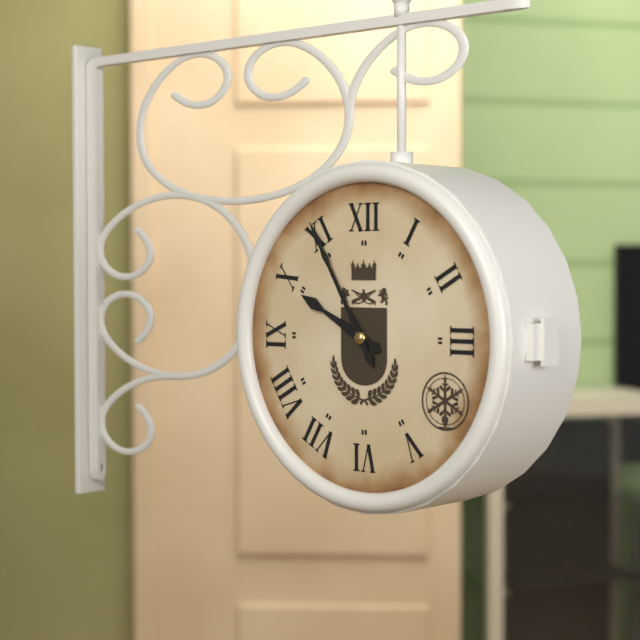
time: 9:55
